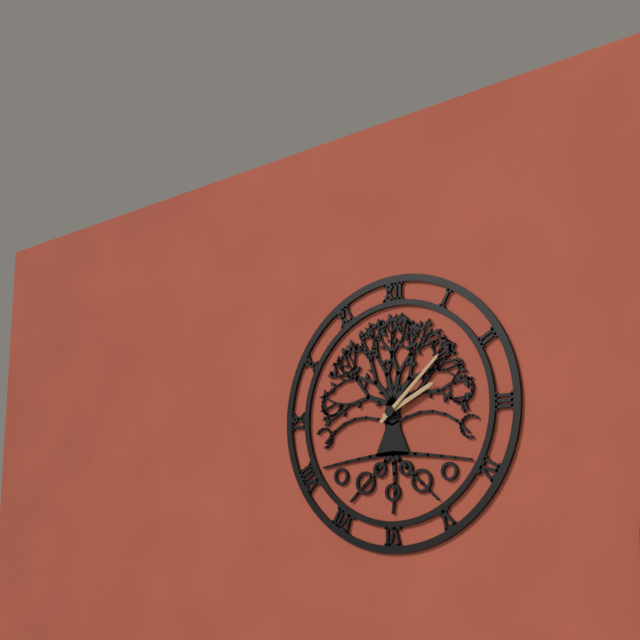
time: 2:08
